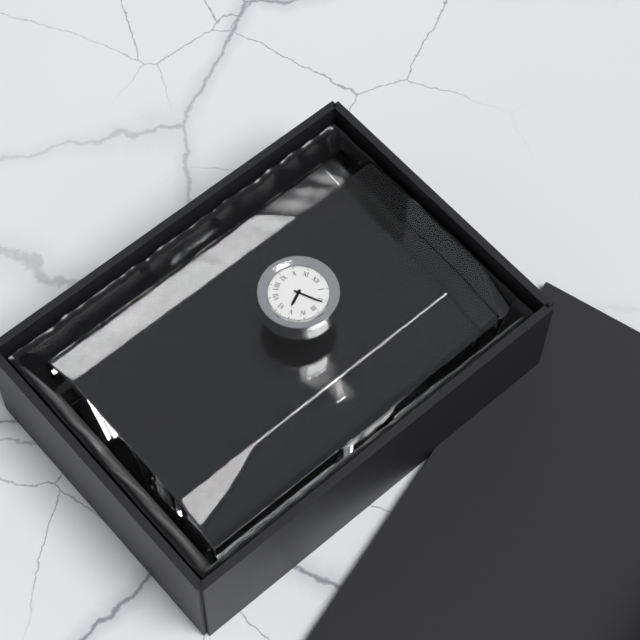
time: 5:11
